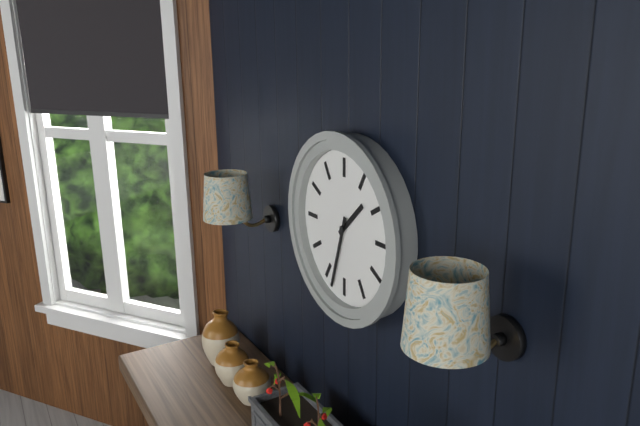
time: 1:33
